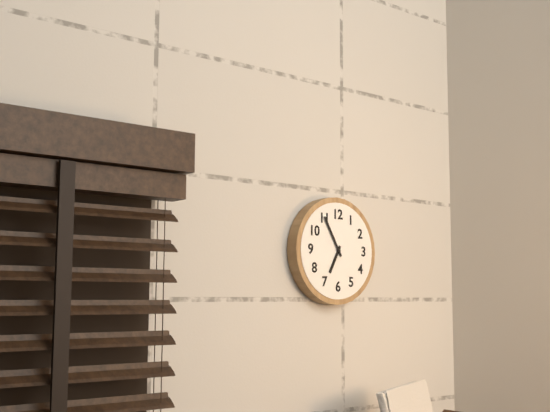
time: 6:55
